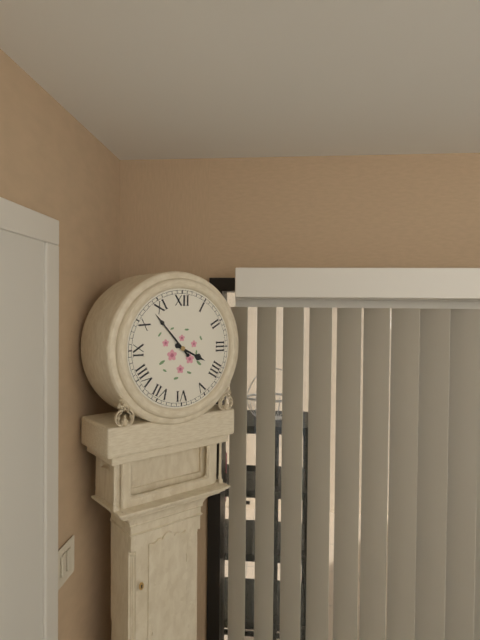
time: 3:53
